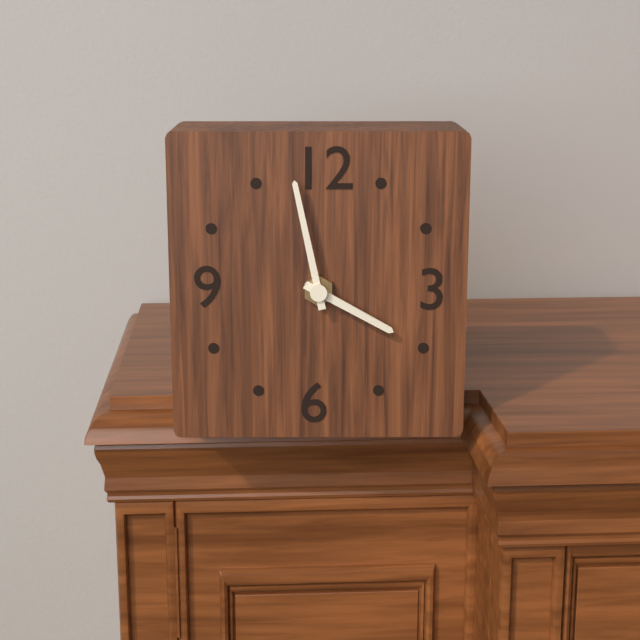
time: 3:58
